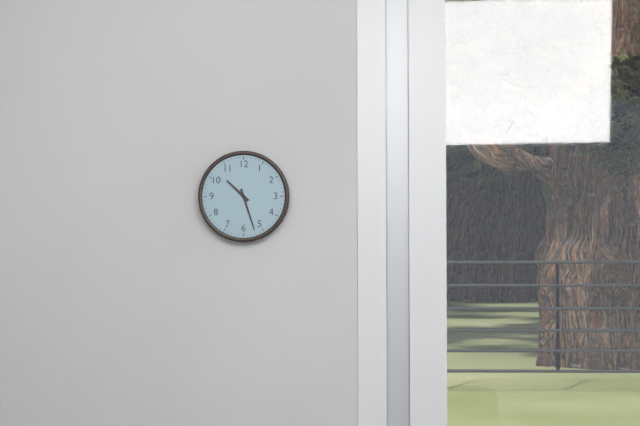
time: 10:27
